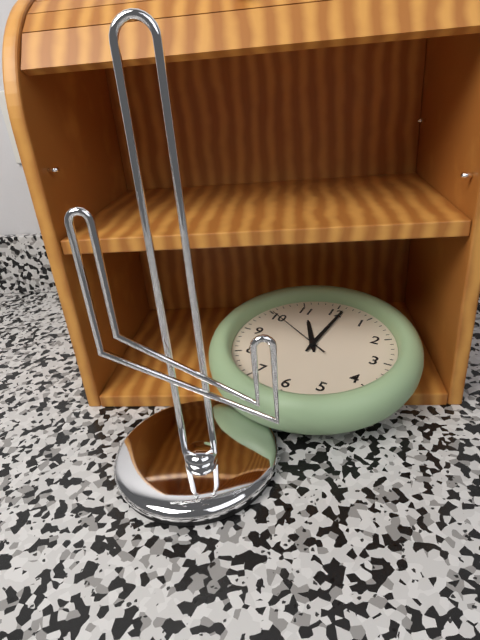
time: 11:01:50
